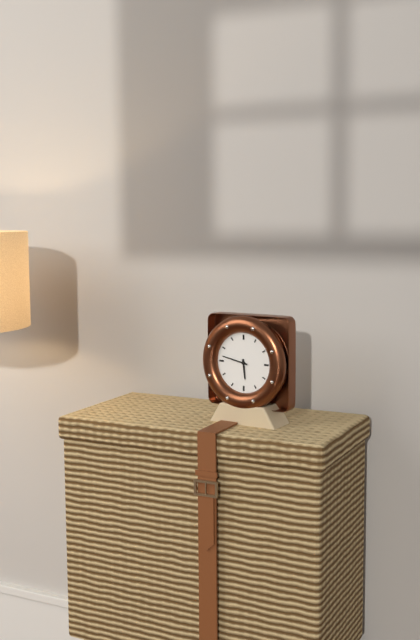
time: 5:47
